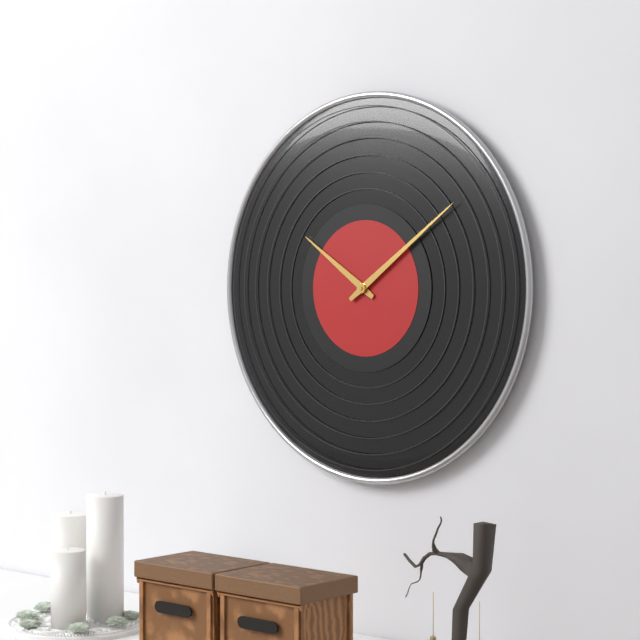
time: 10:09
